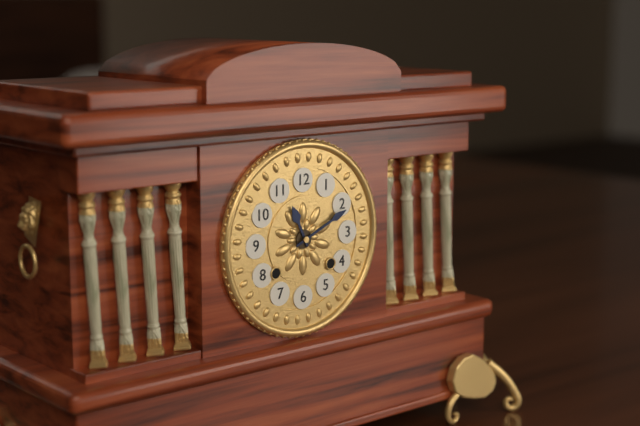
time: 11:11
